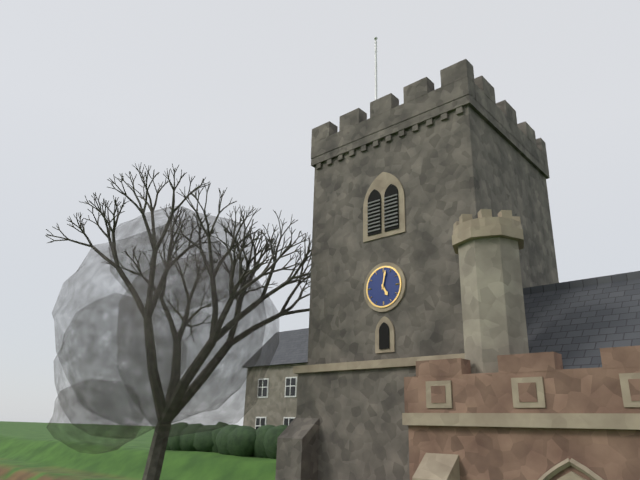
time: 5:02
